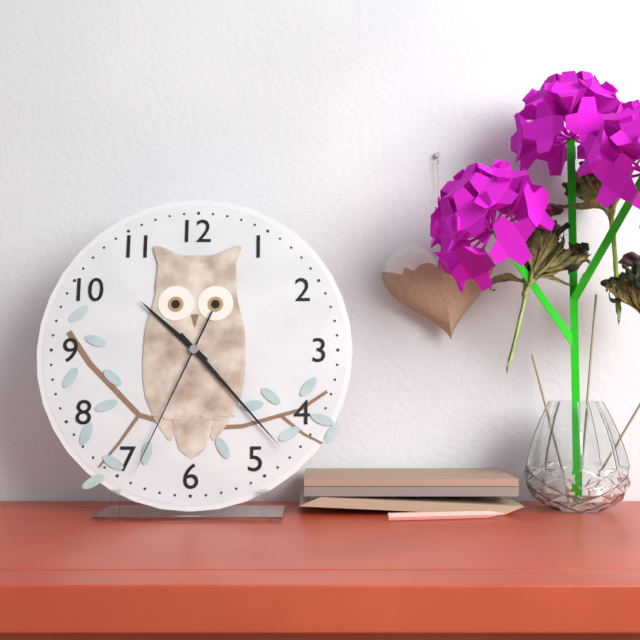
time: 10:23:34
